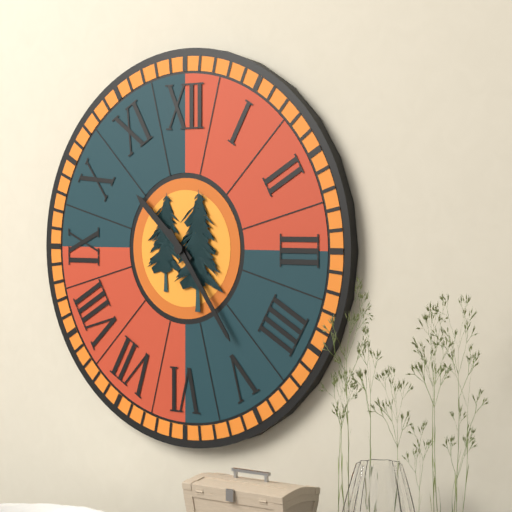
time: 10:24
